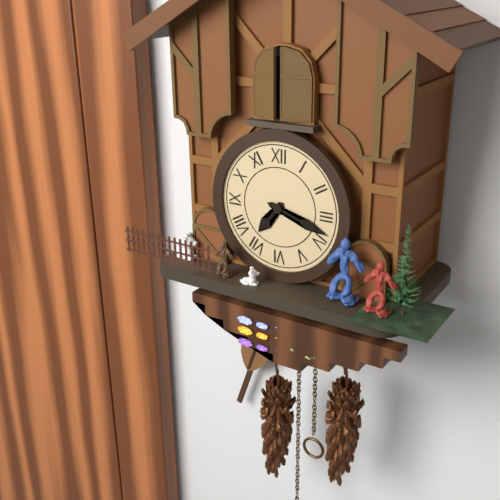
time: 7:18
